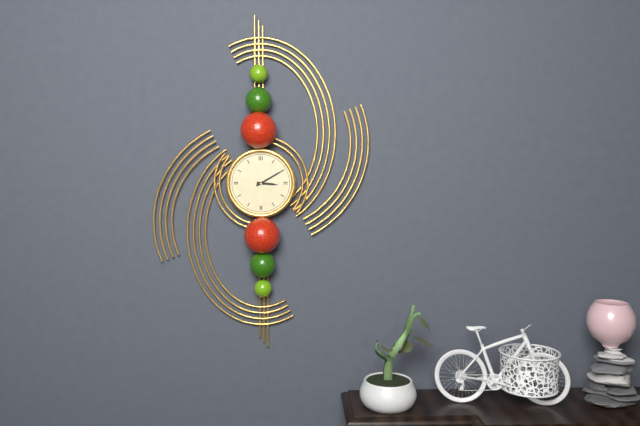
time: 3:10
